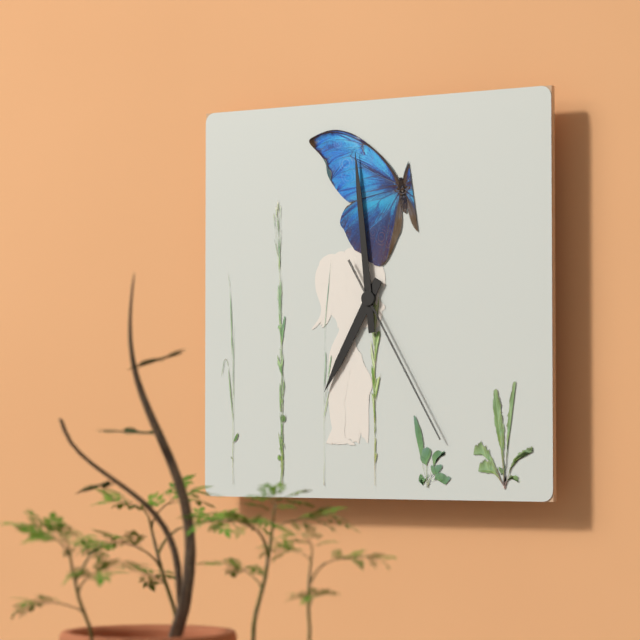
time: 6:59:25
